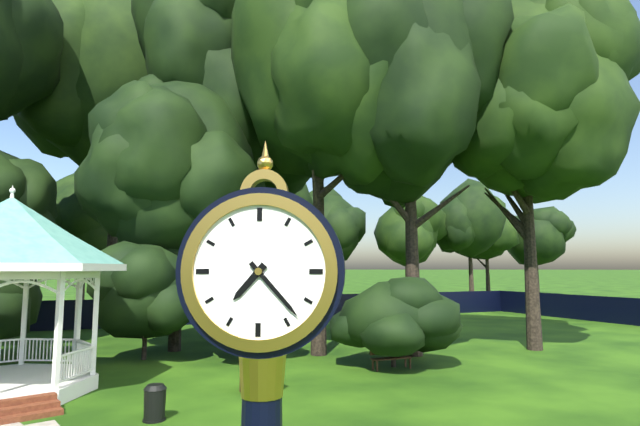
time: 7:23
